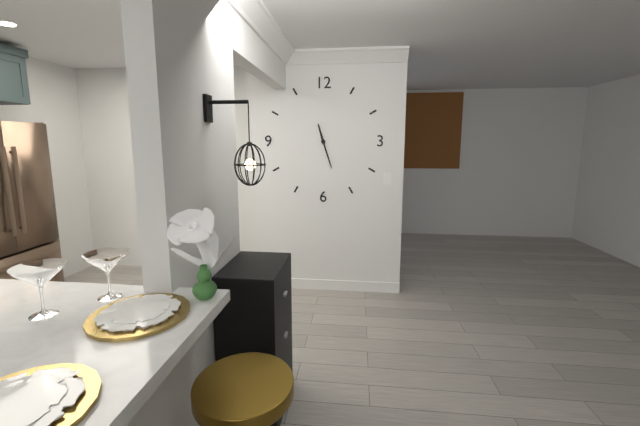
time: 11:27
